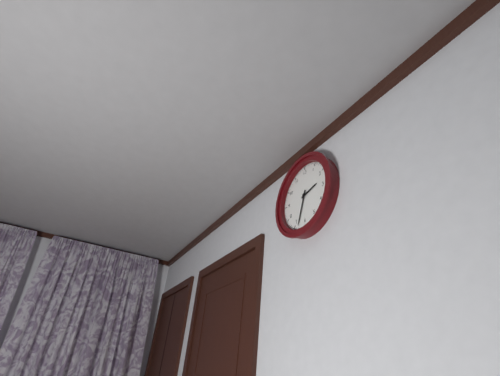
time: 2:33
